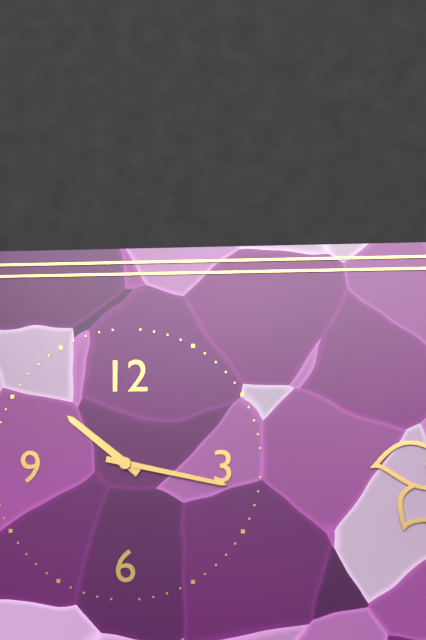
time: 10:17
